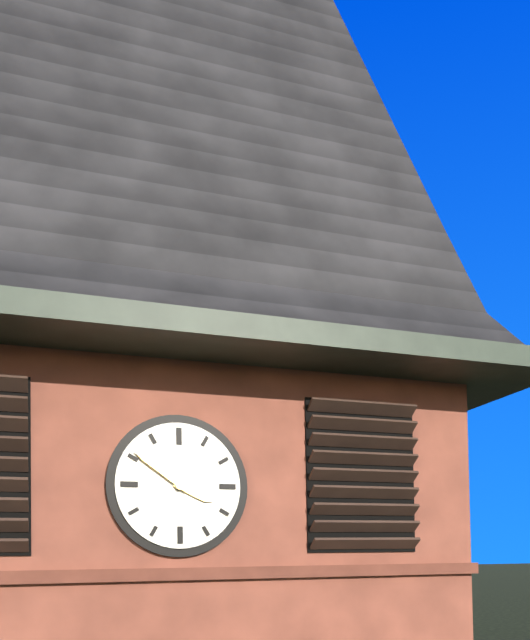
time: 3:51
